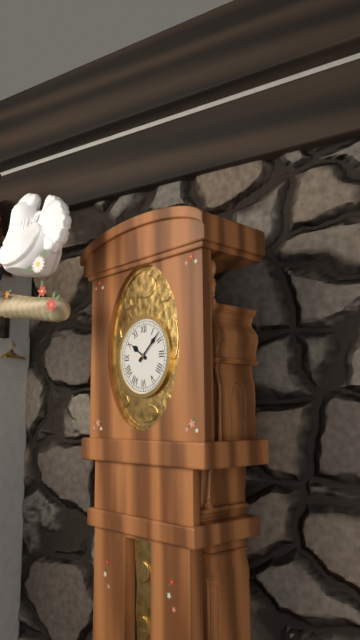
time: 10:08
